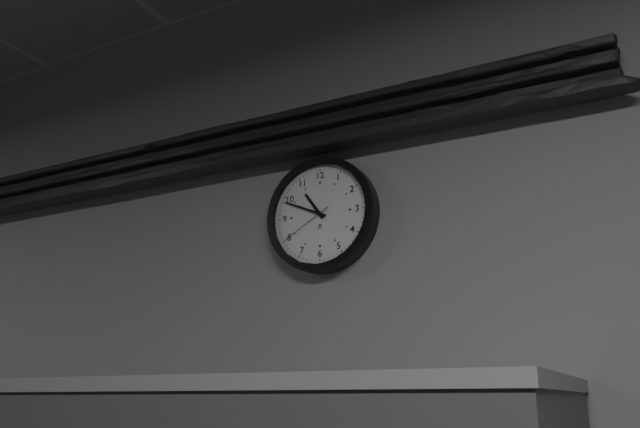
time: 10:49:40
